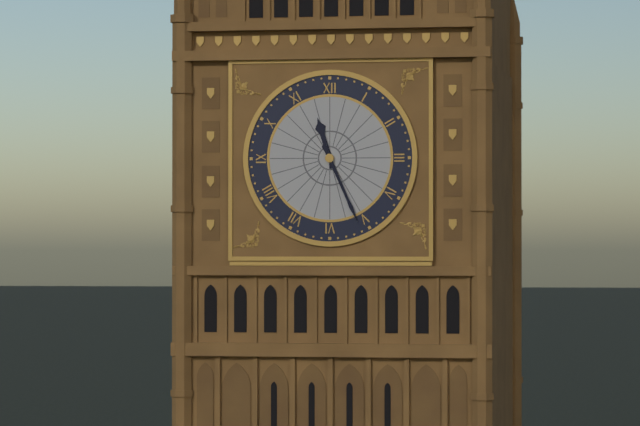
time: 11:26
